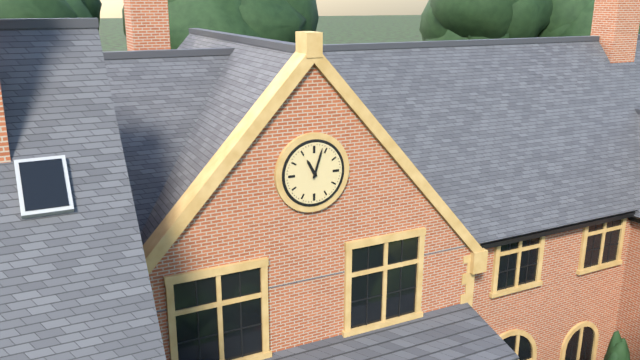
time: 11:03
